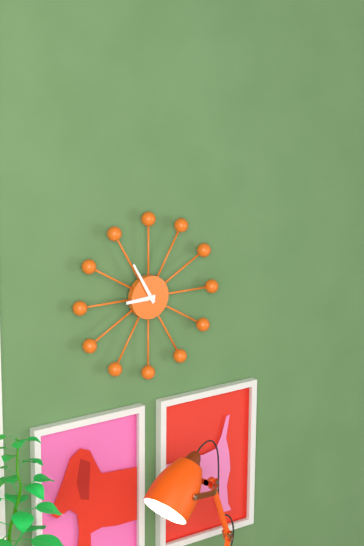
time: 8:55
